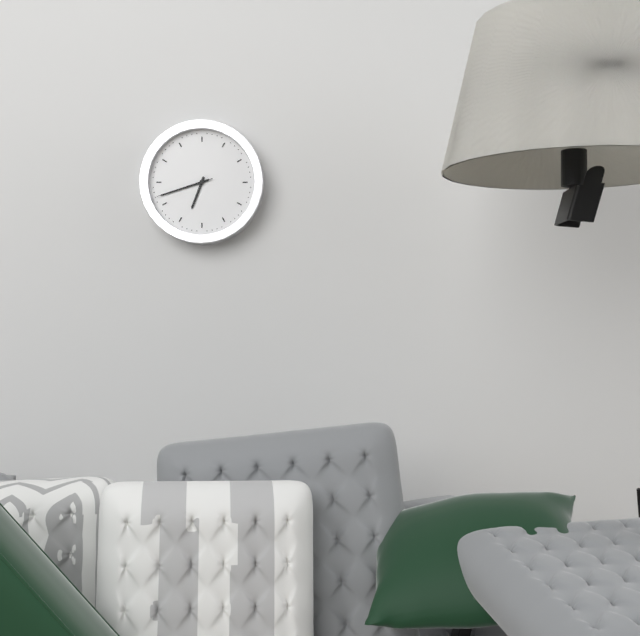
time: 6:42:42
